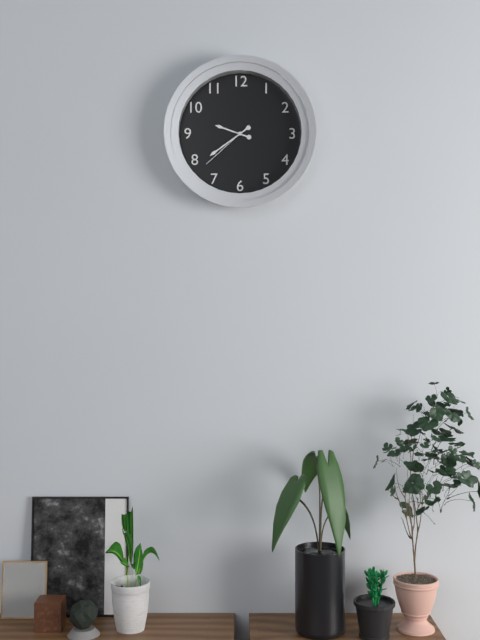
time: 9:39:38
